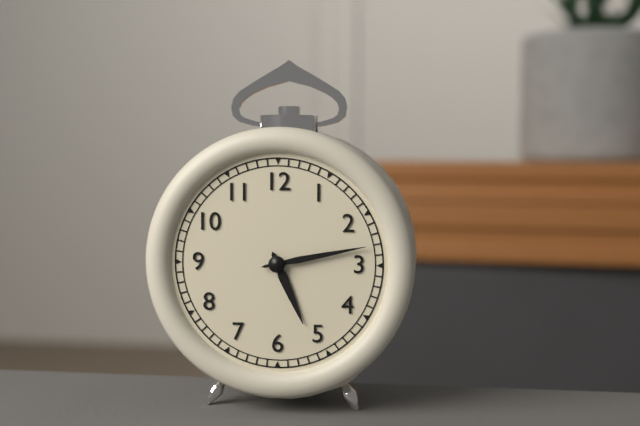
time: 5:13
